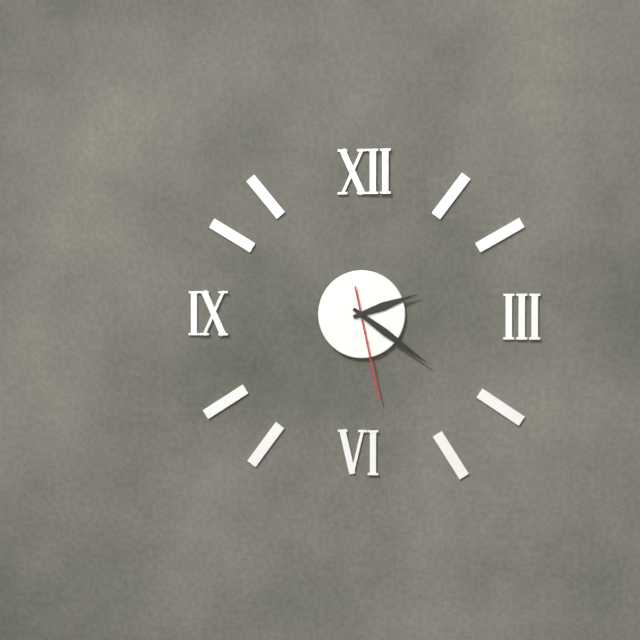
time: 2:21:28
